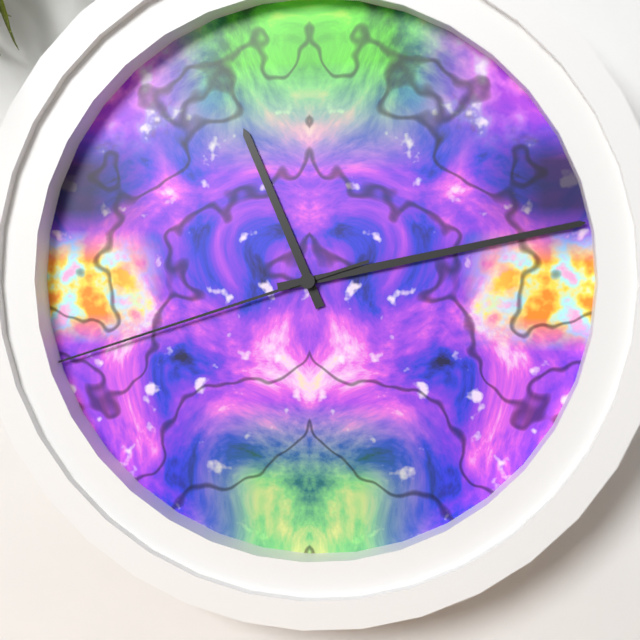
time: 11:13:42
